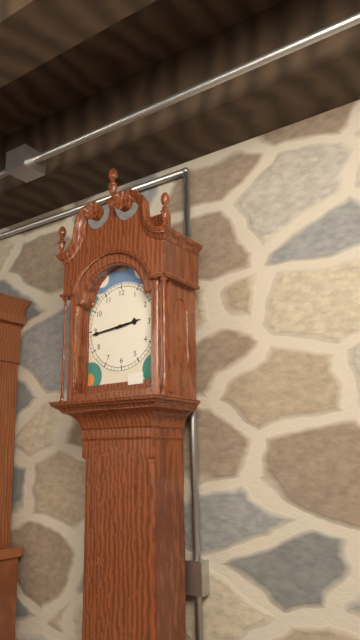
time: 2:44
